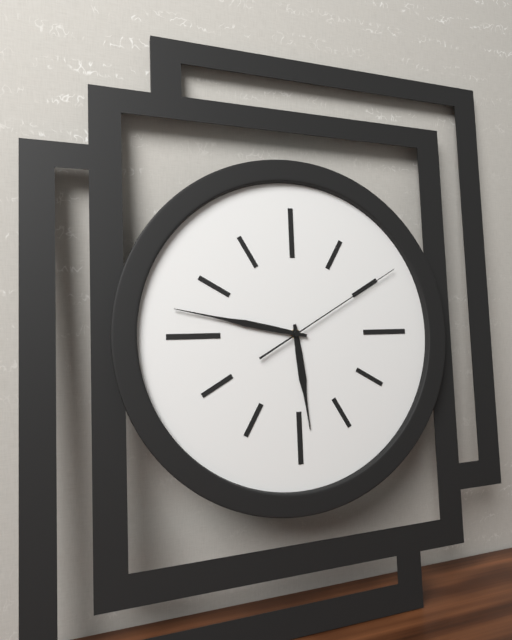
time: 5:47:10
